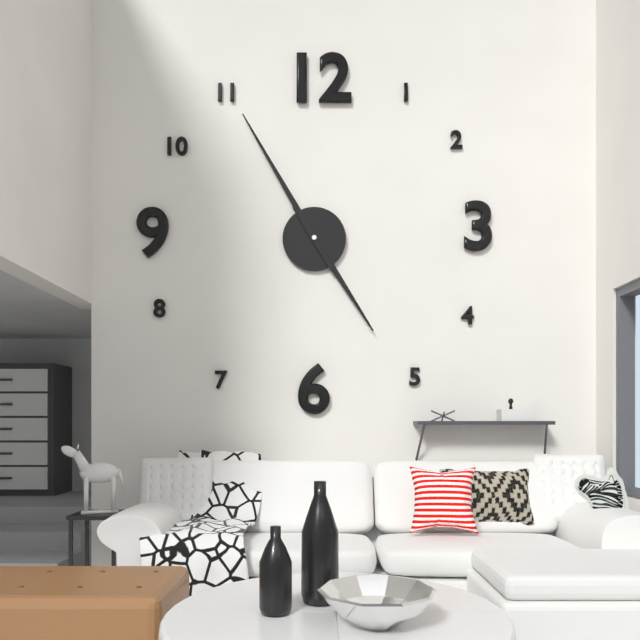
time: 4:55
